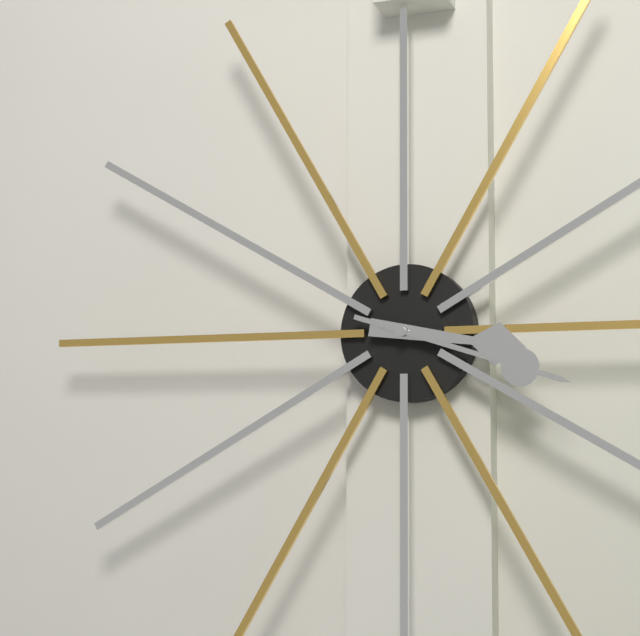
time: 3:18
